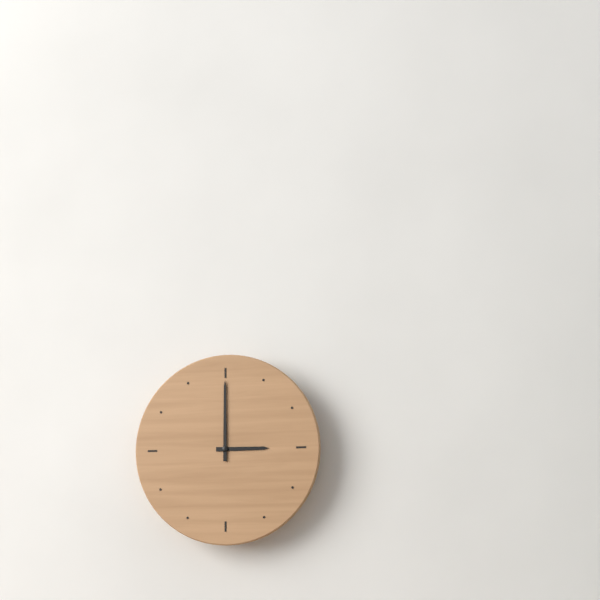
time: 3:00
